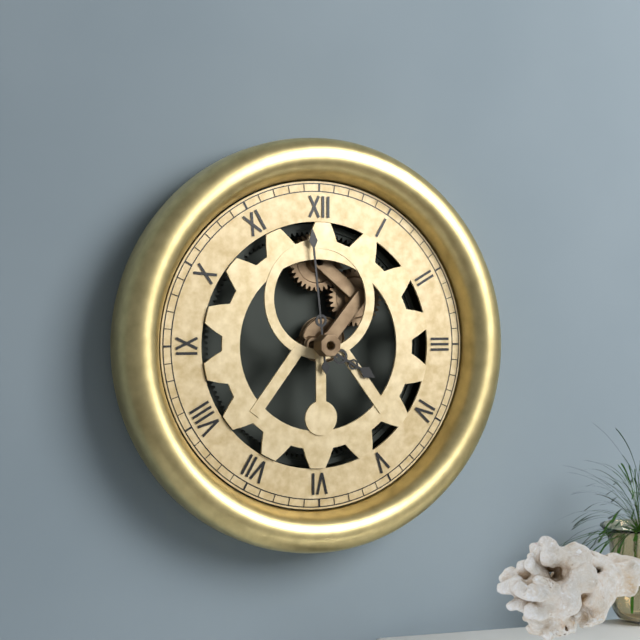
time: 3:59
